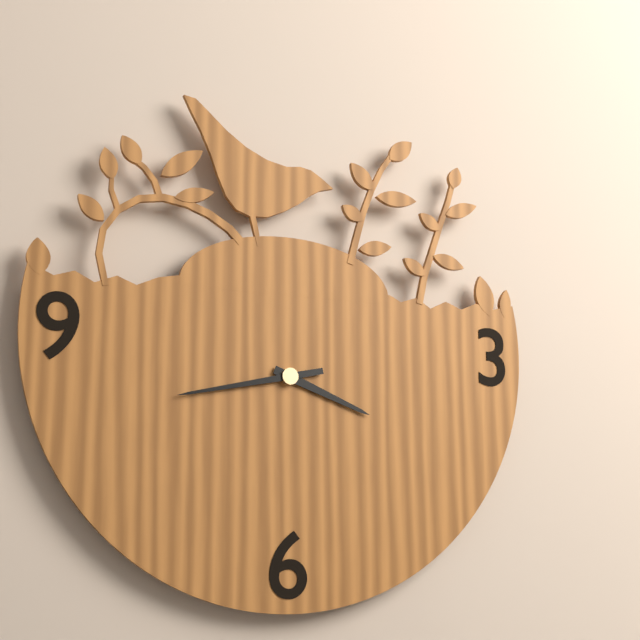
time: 3:43
